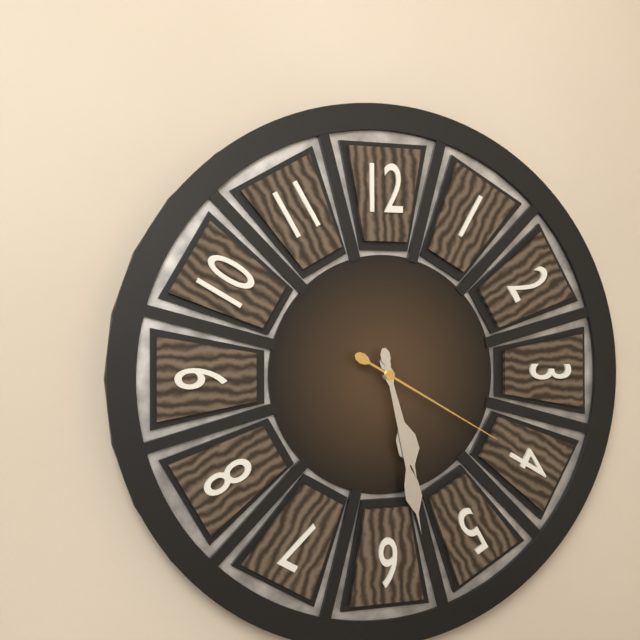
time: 5:28:20
